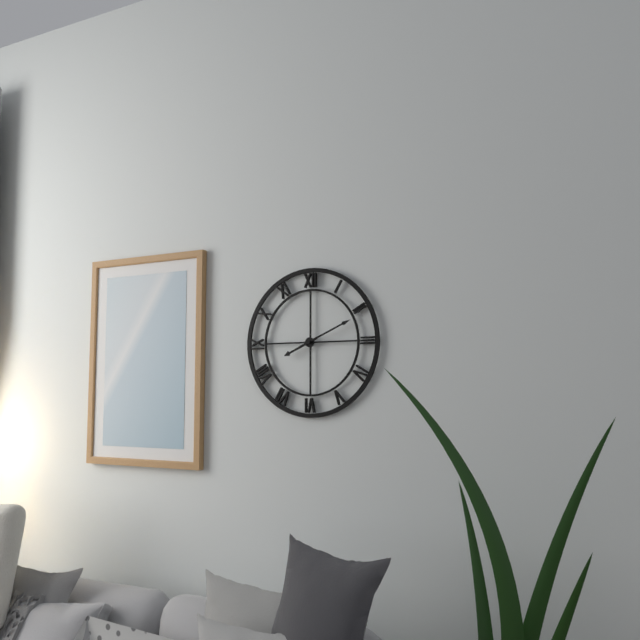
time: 8:11
